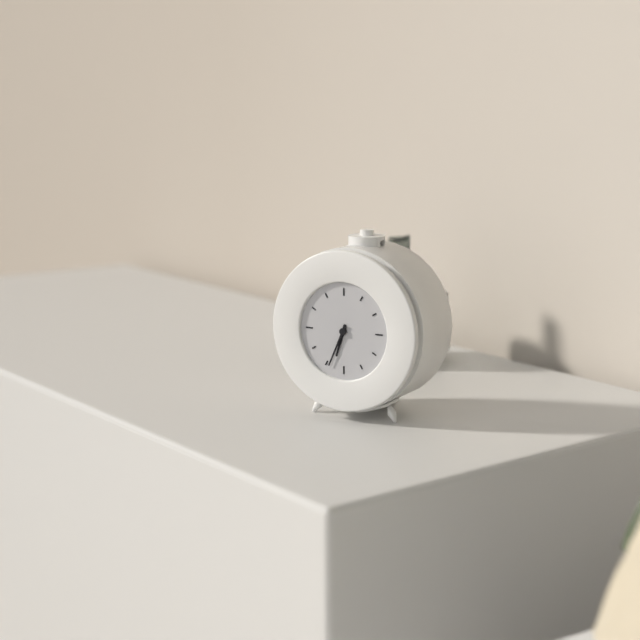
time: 6:34
